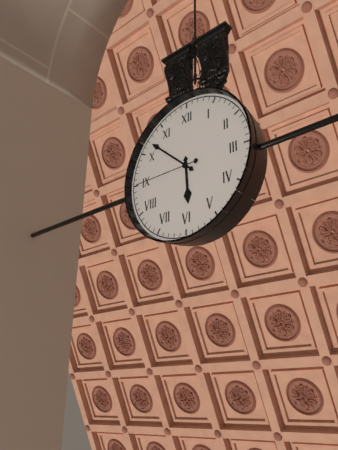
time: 5:52:45
